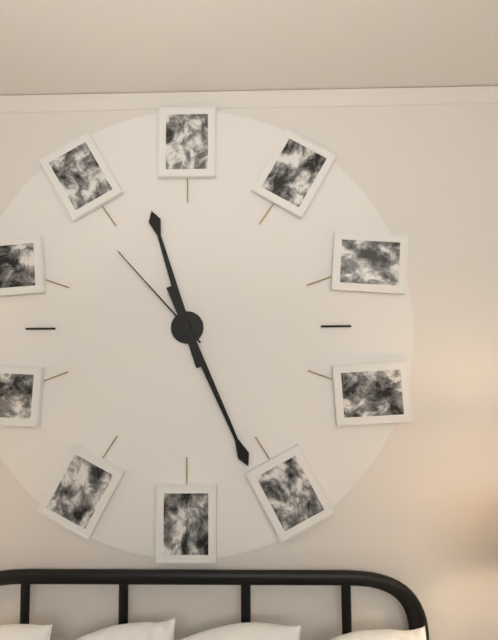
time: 11:26:53
